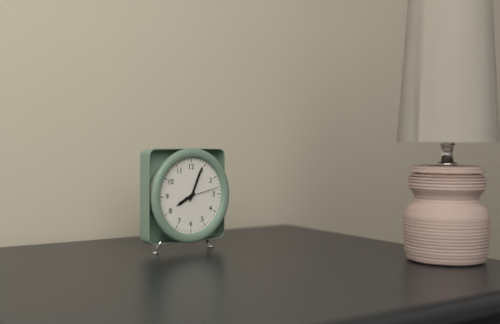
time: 8:04
